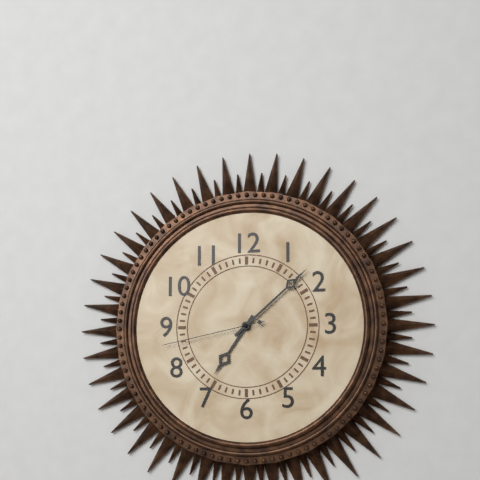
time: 7:08:43
